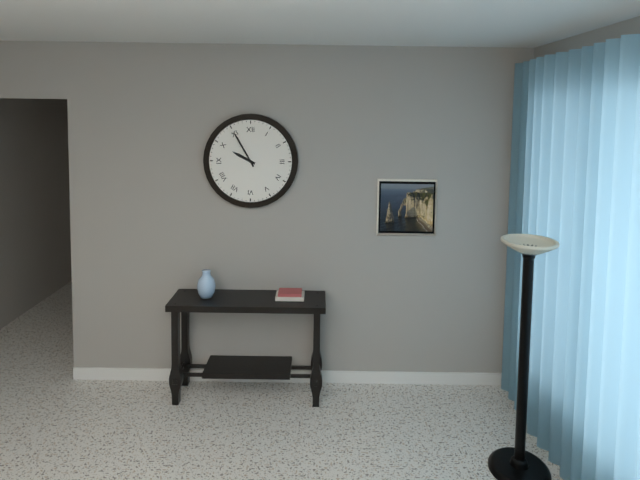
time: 9:55
